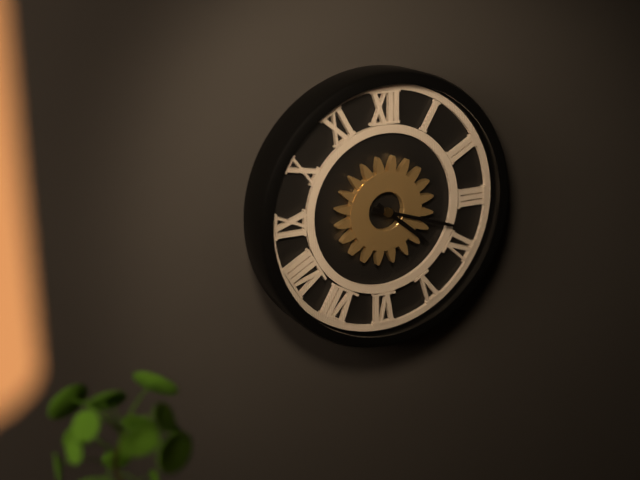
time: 4:18
